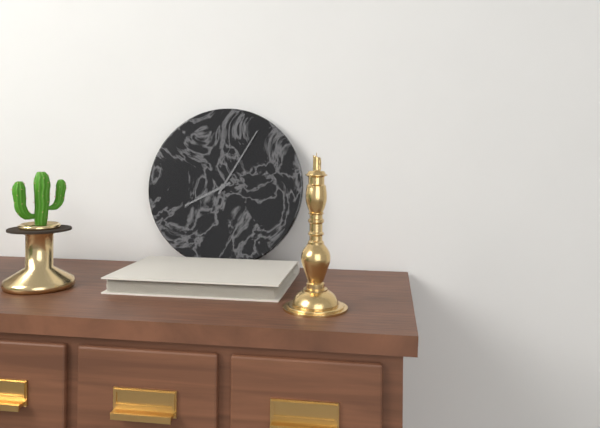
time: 8:05
